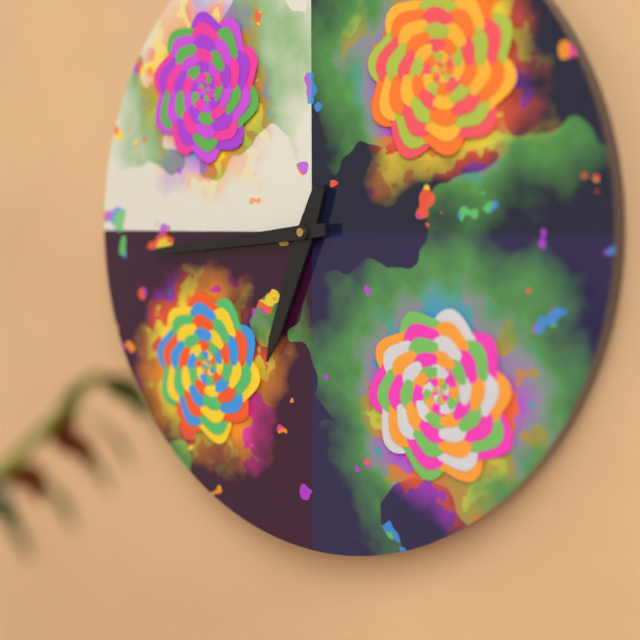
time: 6:44
